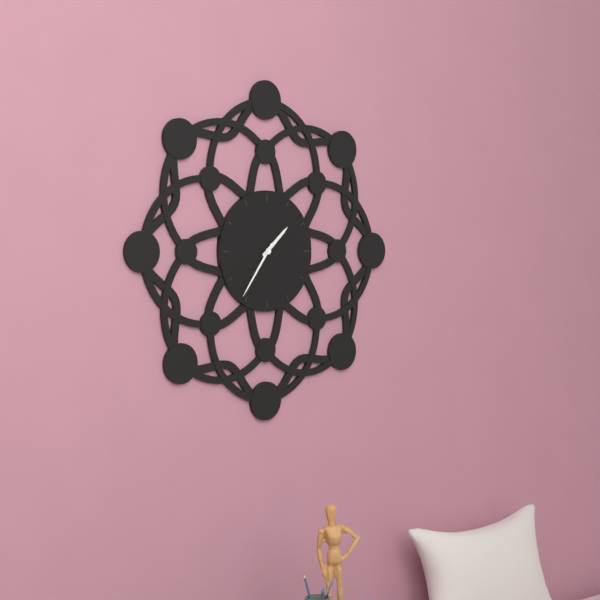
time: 1:36
